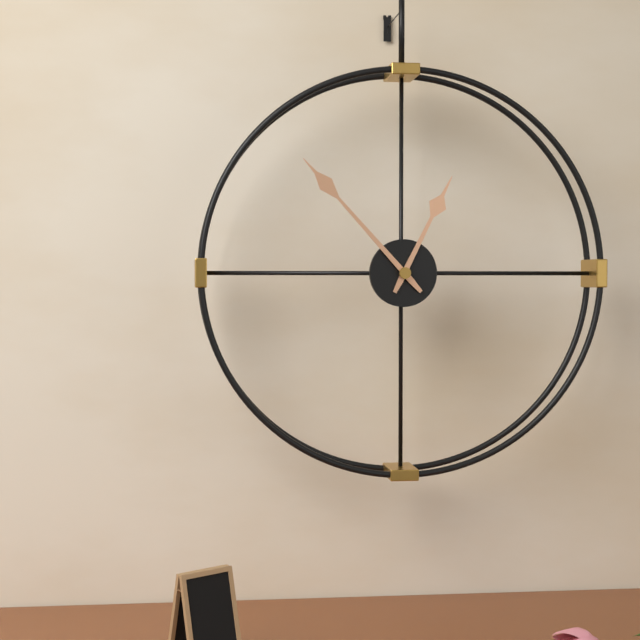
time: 12:53
